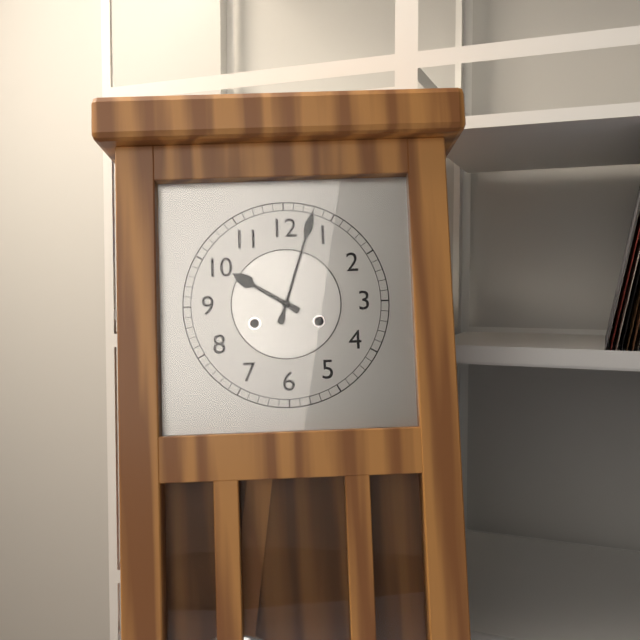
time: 10:03
